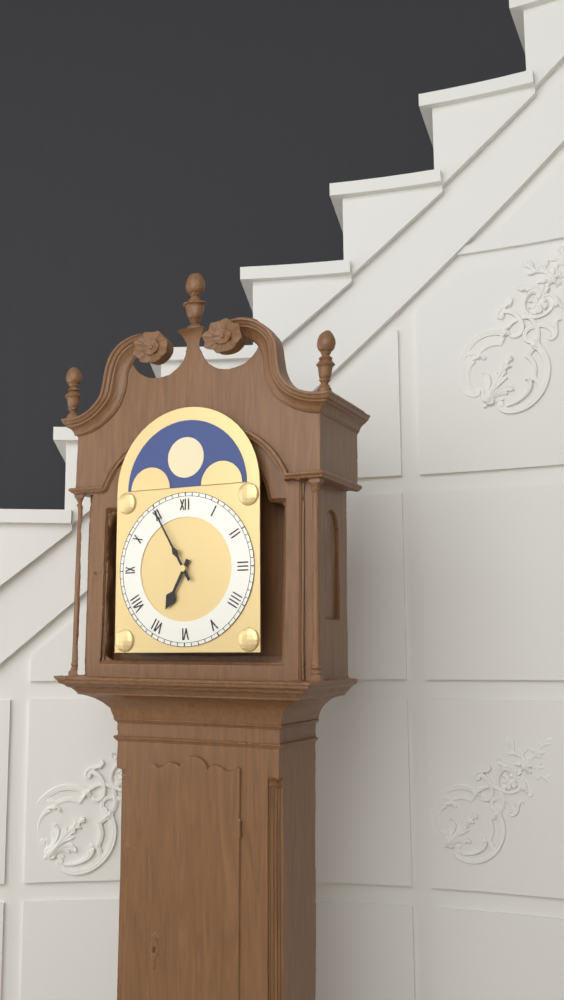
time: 6:55
